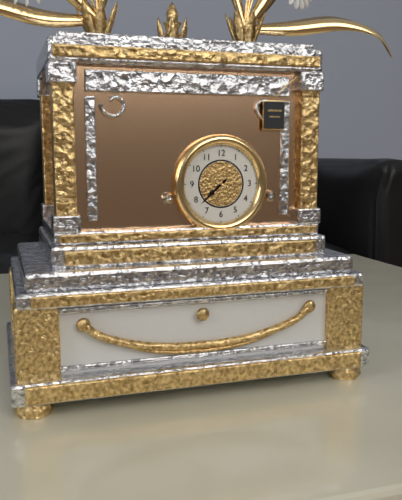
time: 7:38
